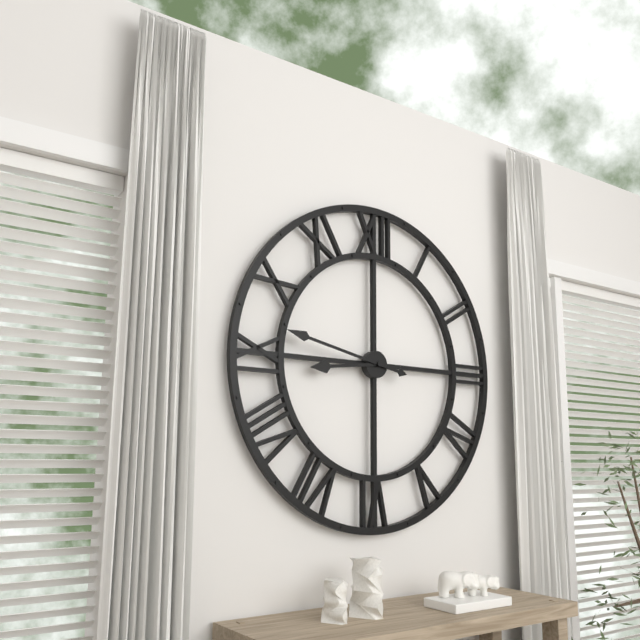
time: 8:47
